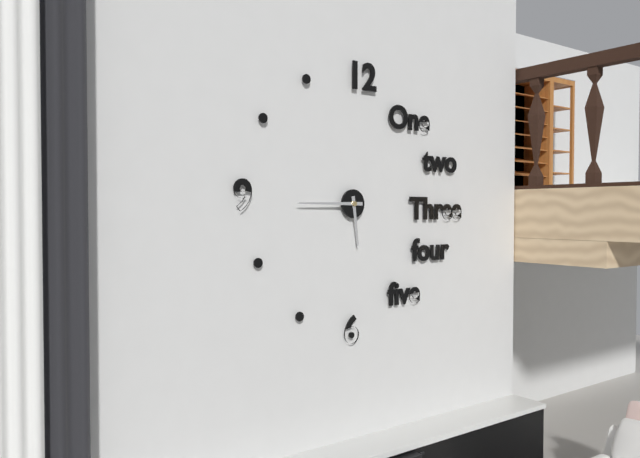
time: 5:45
